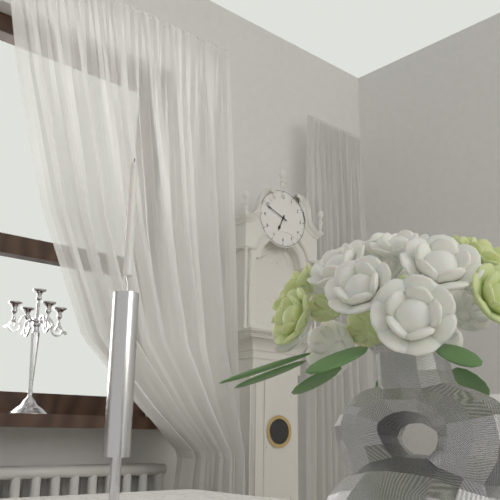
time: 6:49
